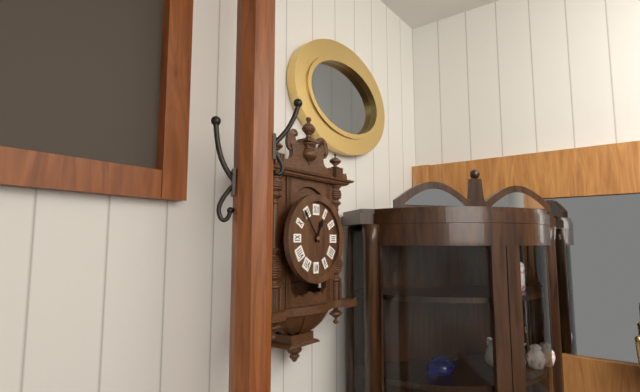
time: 12:54
